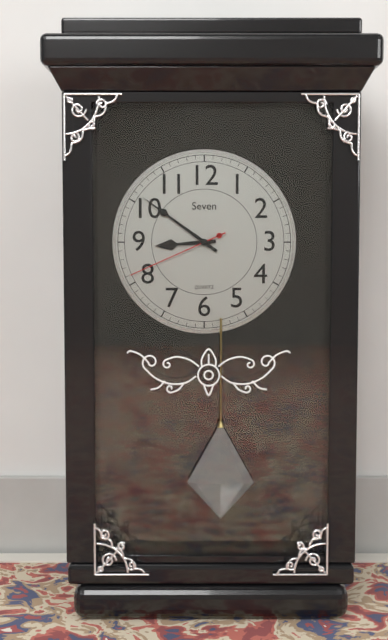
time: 8:51:41
